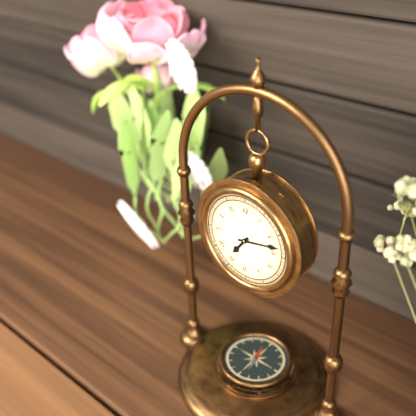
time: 7:13
